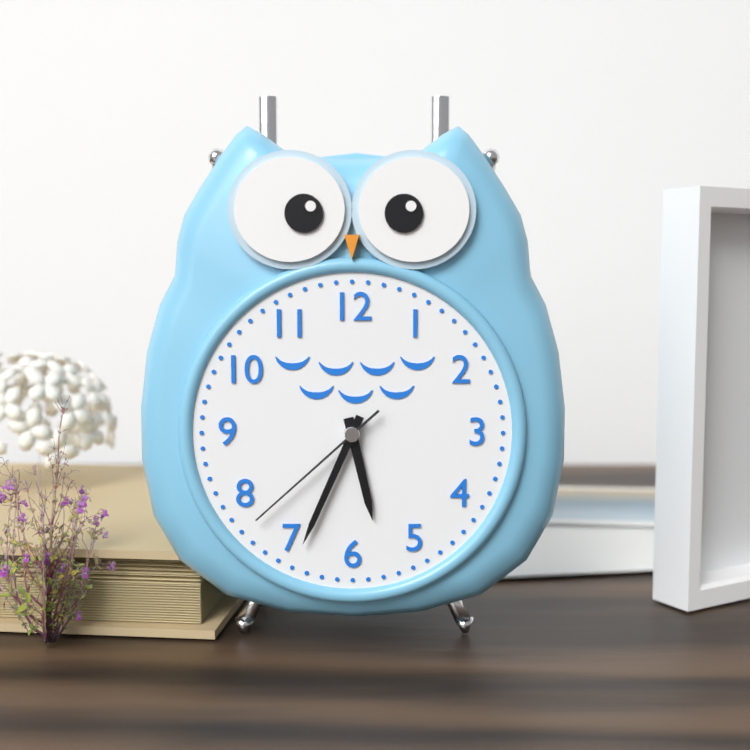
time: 5:34:38
